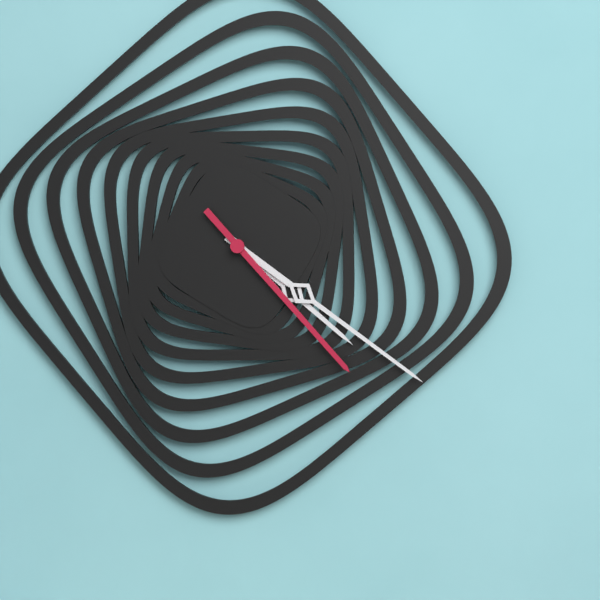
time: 4:21:23
